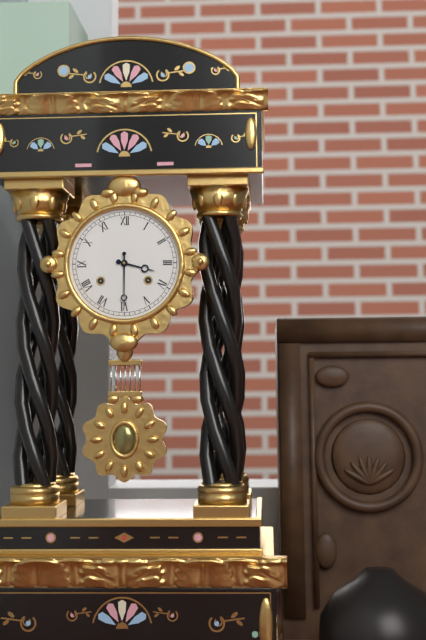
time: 3:30
